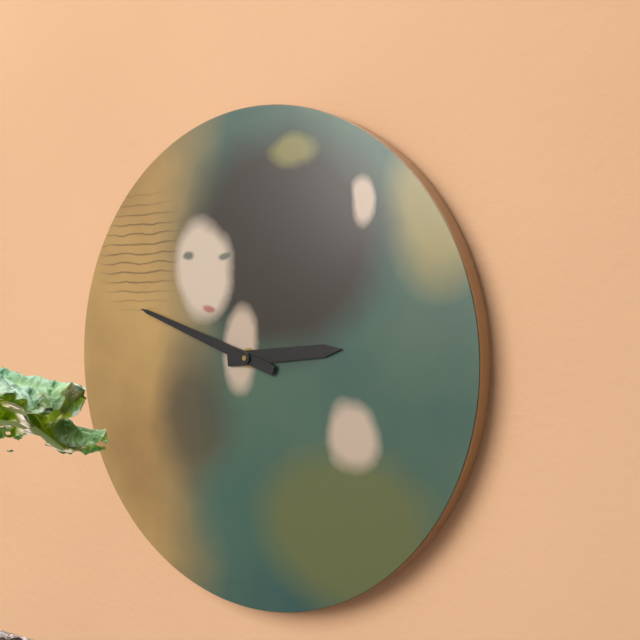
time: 2:48
